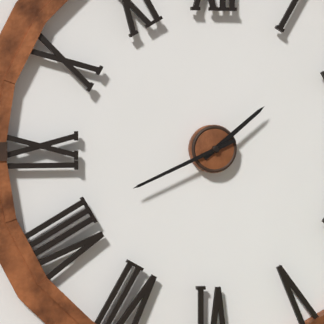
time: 1:41
